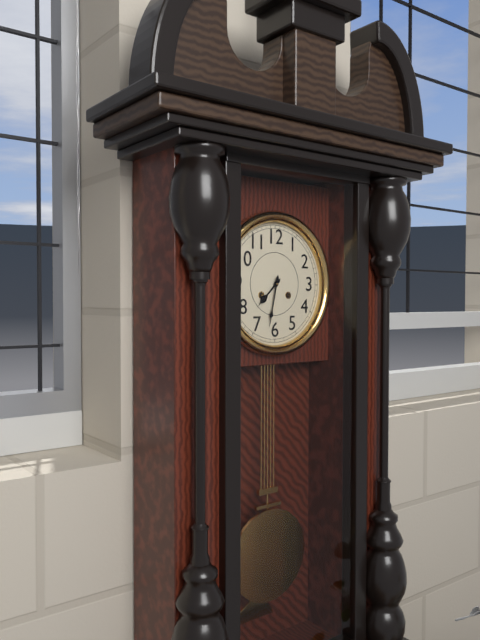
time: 7:32
